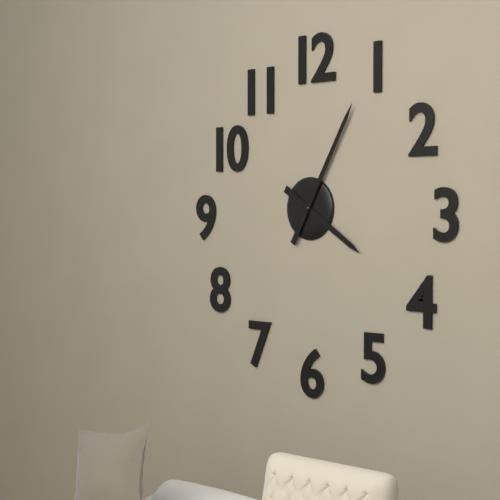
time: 4:05
